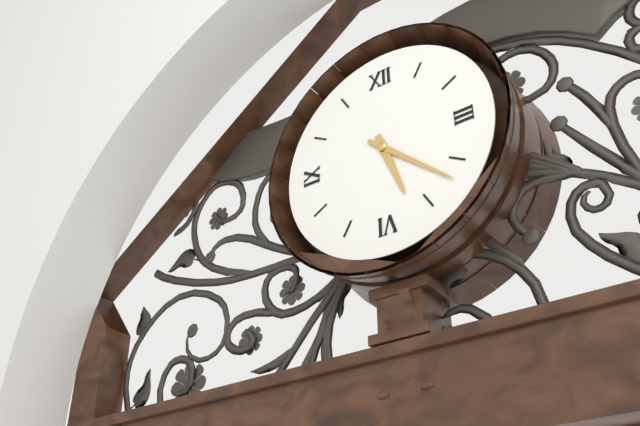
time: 5:22
